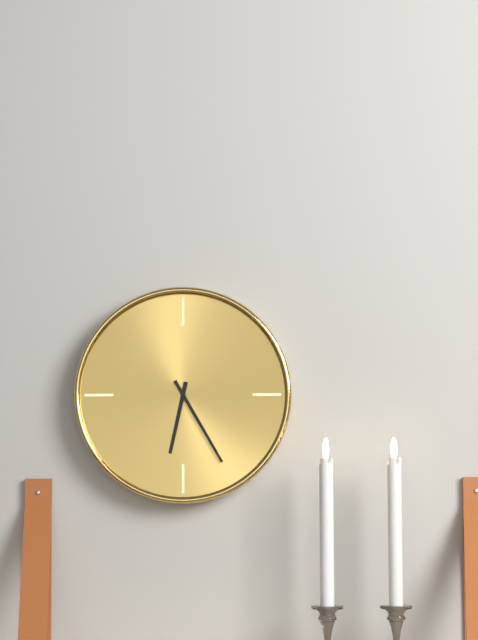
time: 6:25
